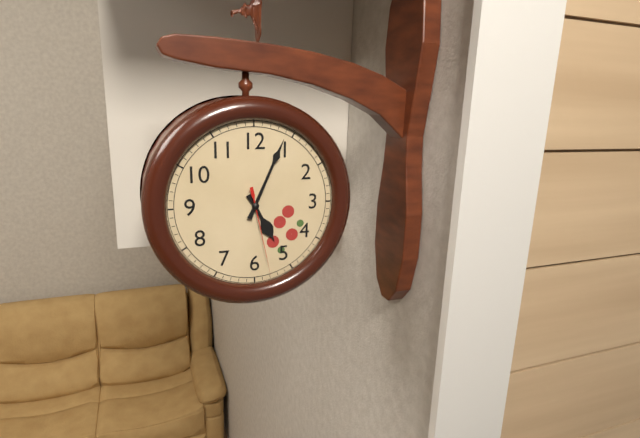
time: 5:04:28
